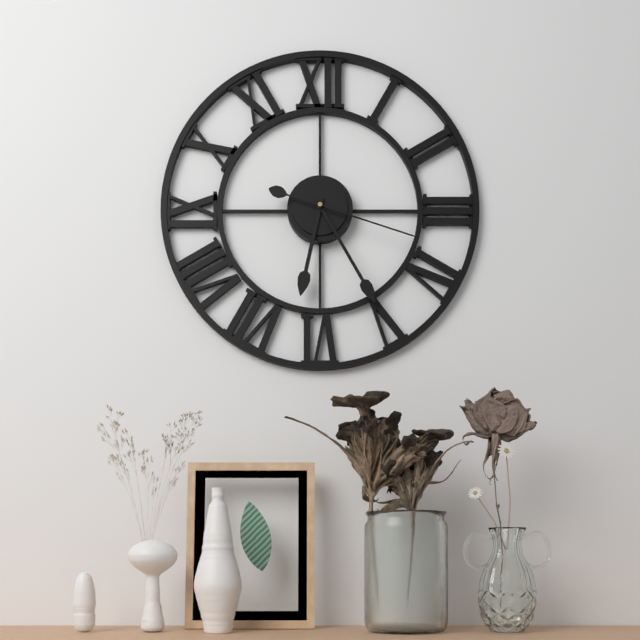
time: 6:25:18
